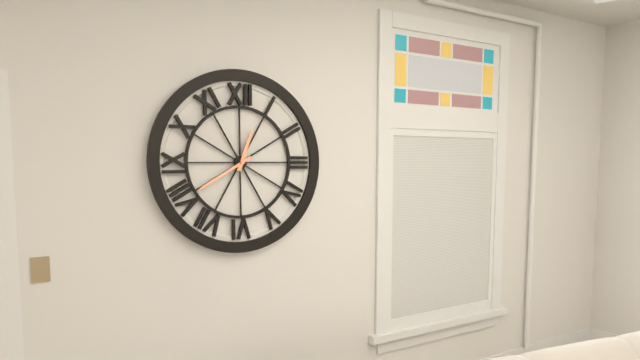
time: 12:40
